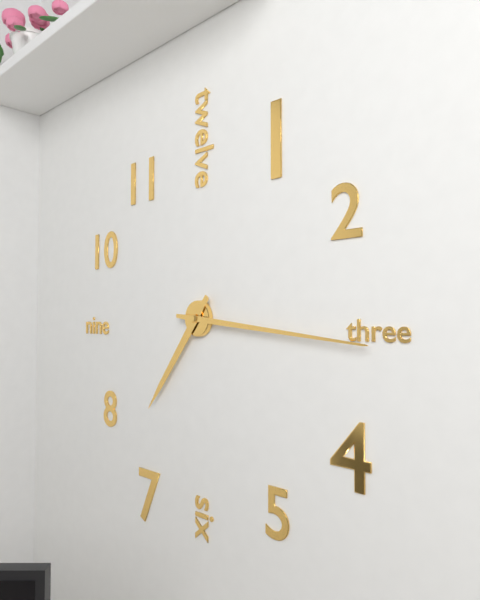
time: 7:16
